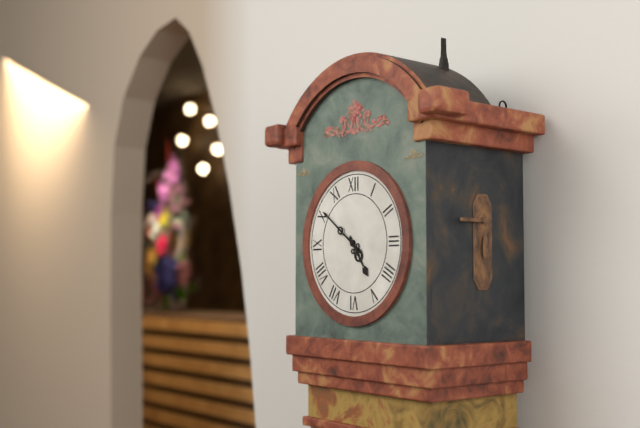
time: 4:51
